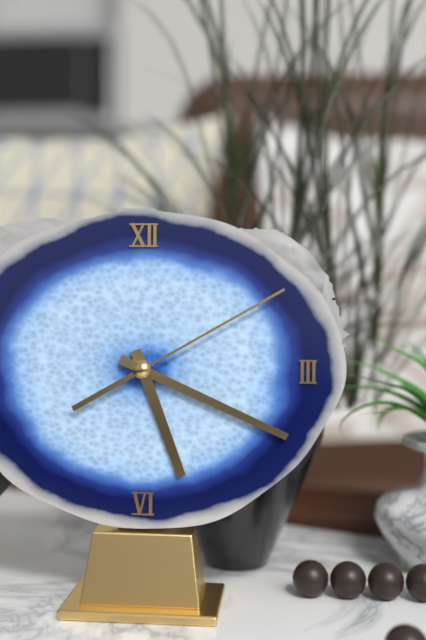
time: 5:19:10
